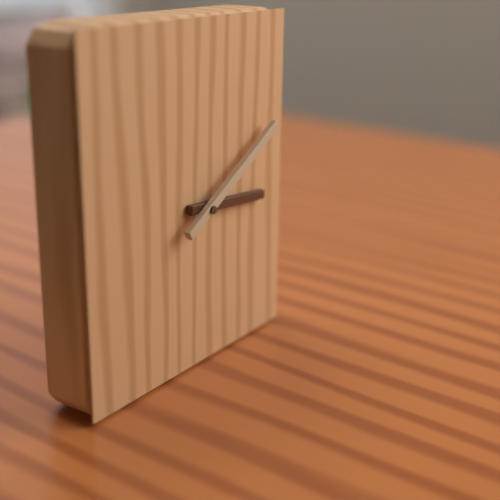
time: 3:10
